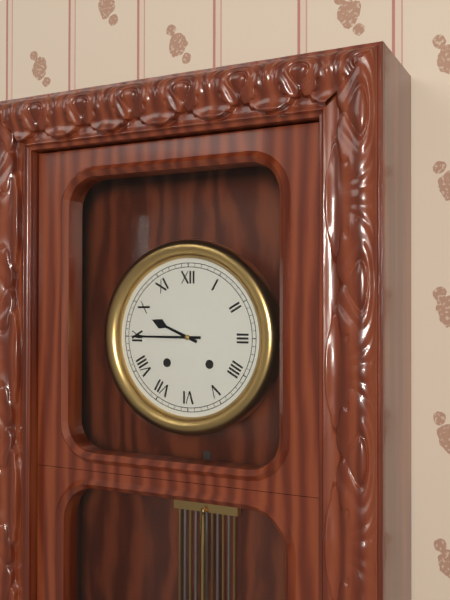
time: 9:45
